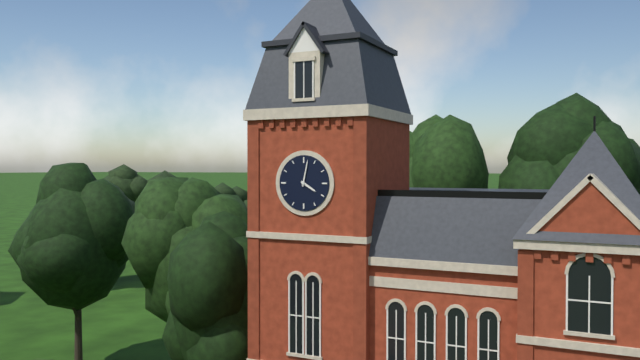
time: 4:02
